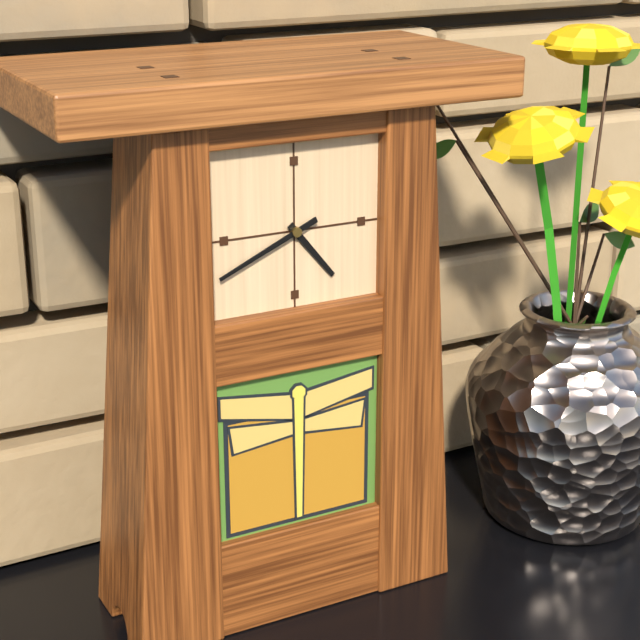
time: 4:41
